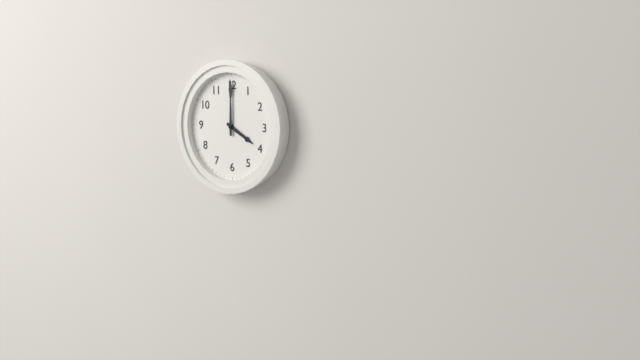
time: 4:00
